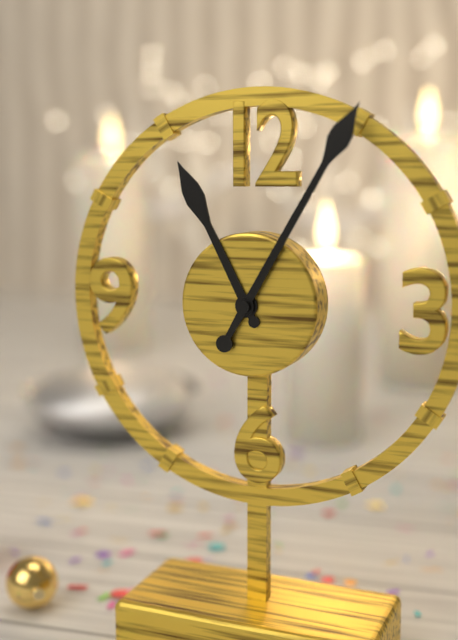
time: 11:05
